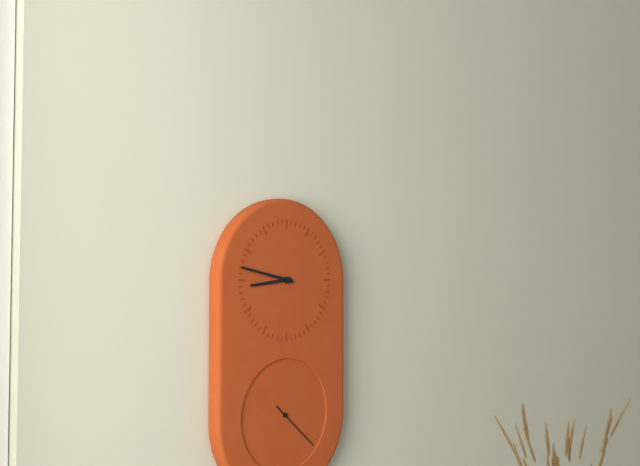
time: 8:47:22
